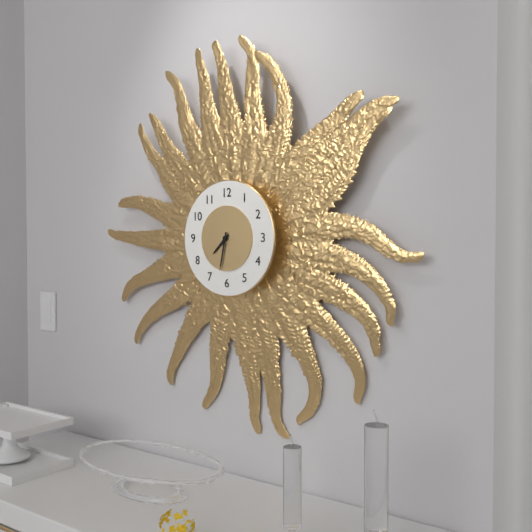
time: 7:32
